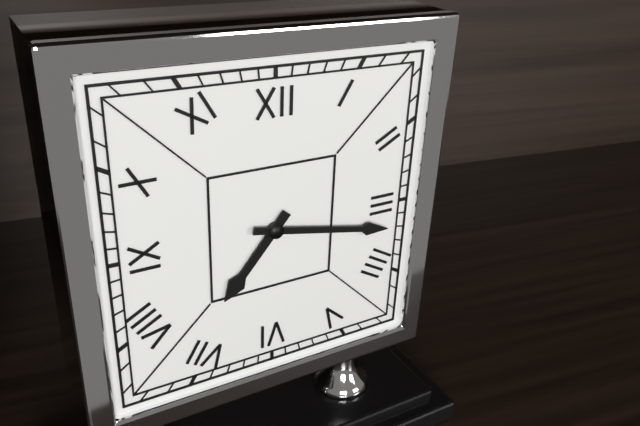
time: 7:17
